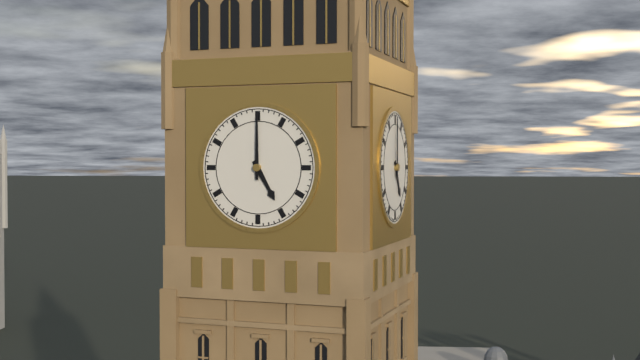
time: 5:00
